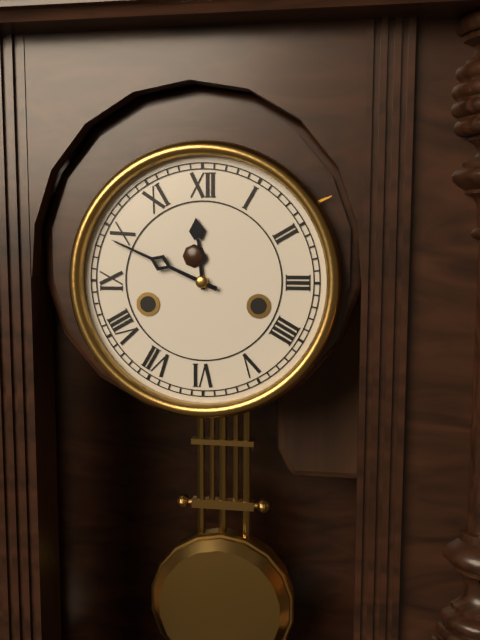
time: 11:49
